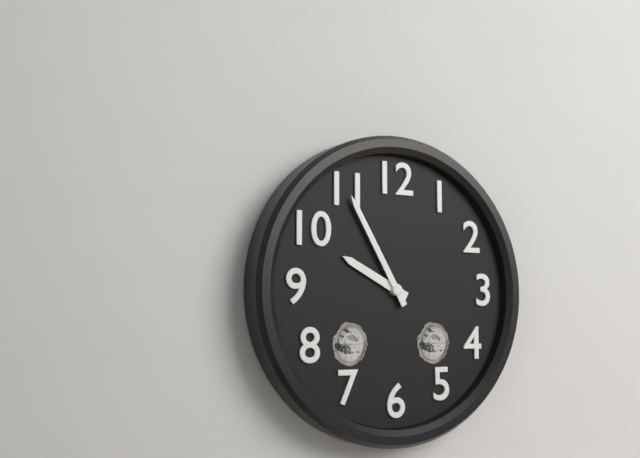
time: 9:55
